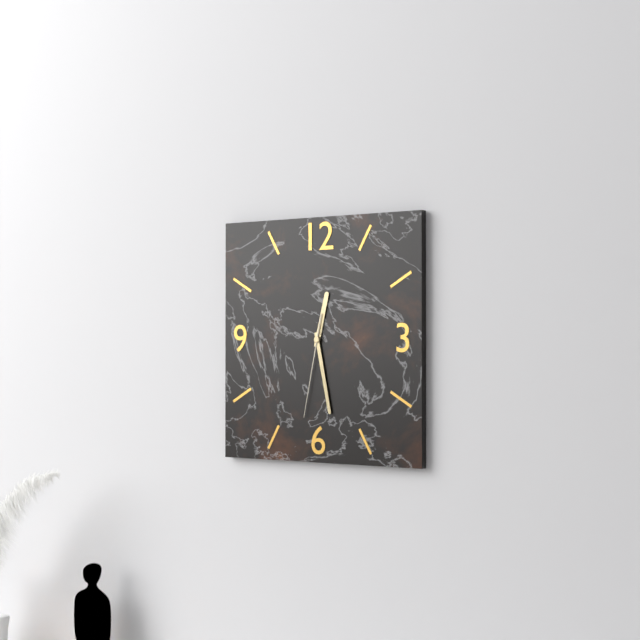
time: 12:28:32
